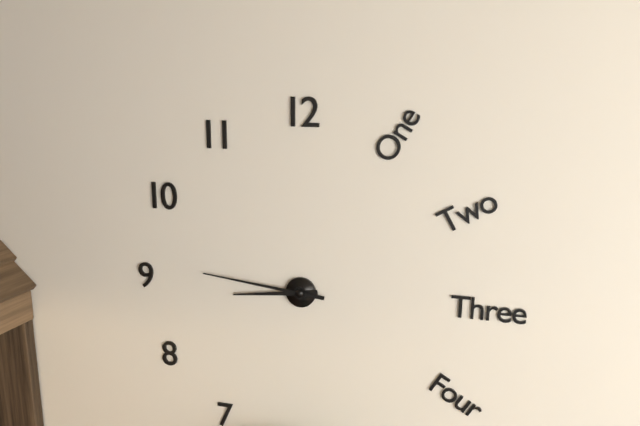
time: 8:46
